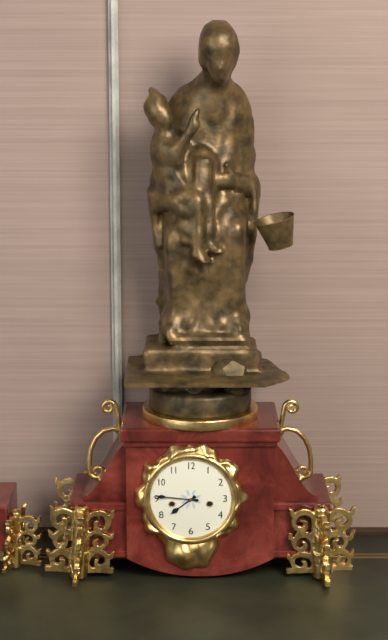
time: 7:46
